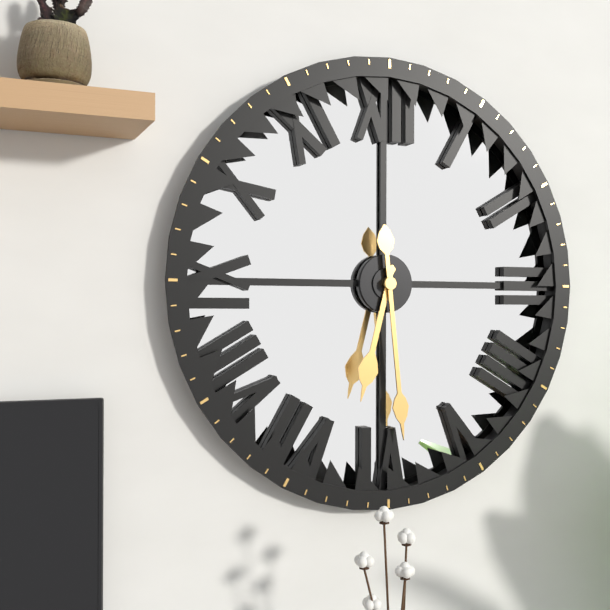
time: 6:29
